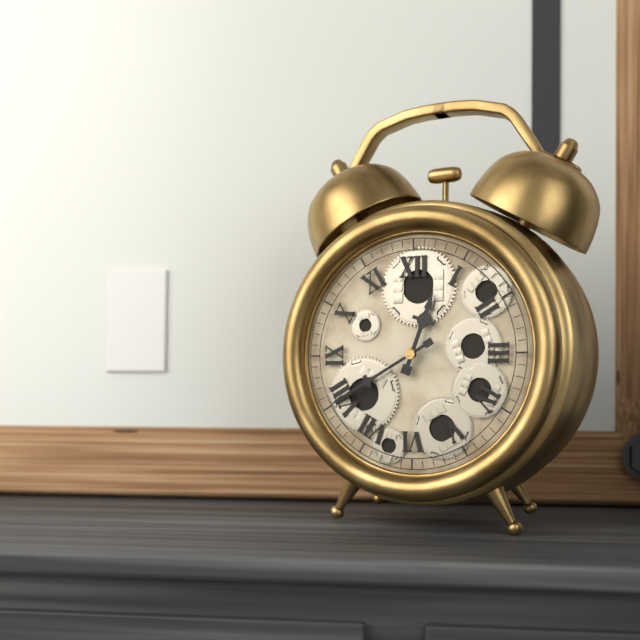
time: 12:40
